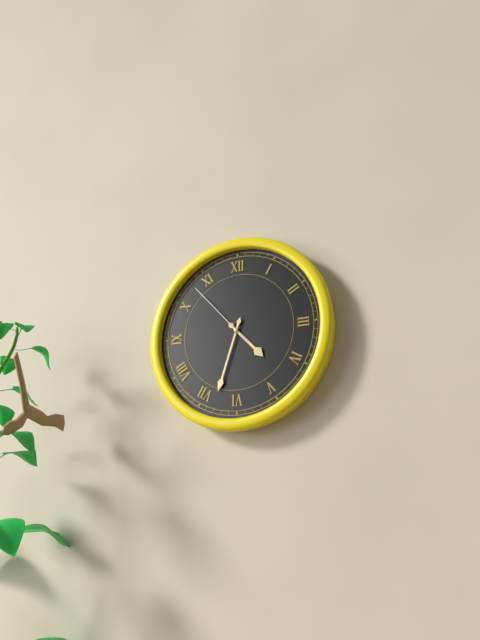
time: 4:33:53
